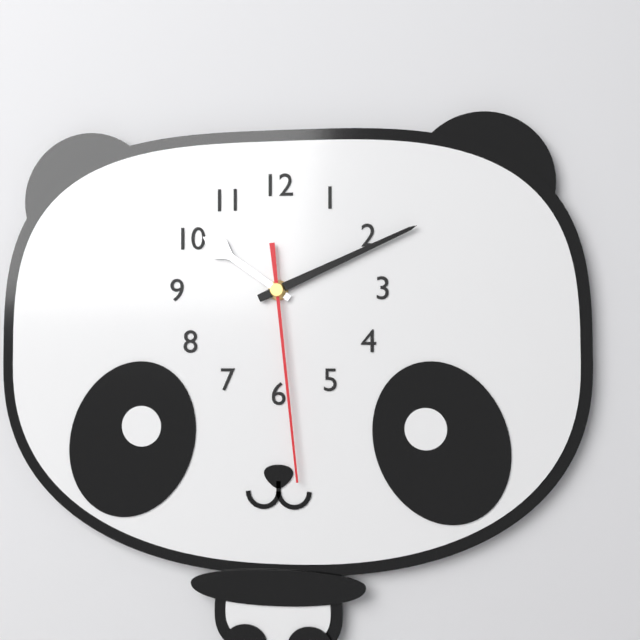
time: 10:11:29
